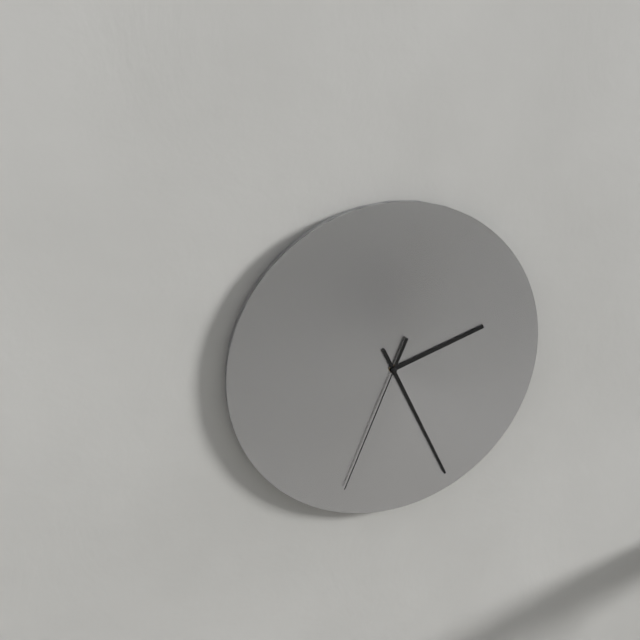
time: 2:26:34
